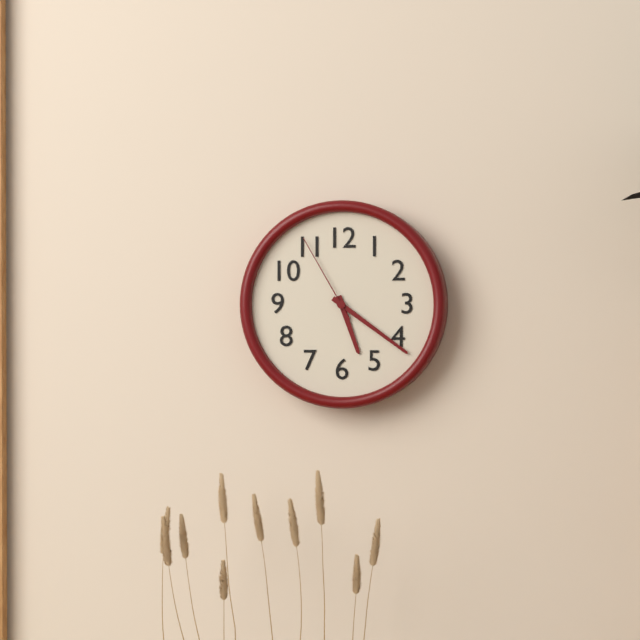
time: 5:21:55
